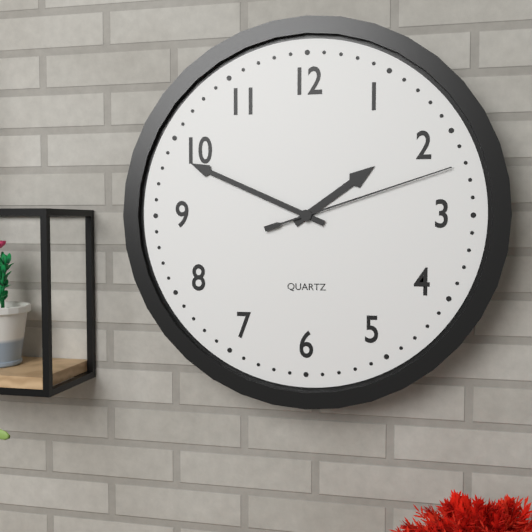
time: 1:49:12
